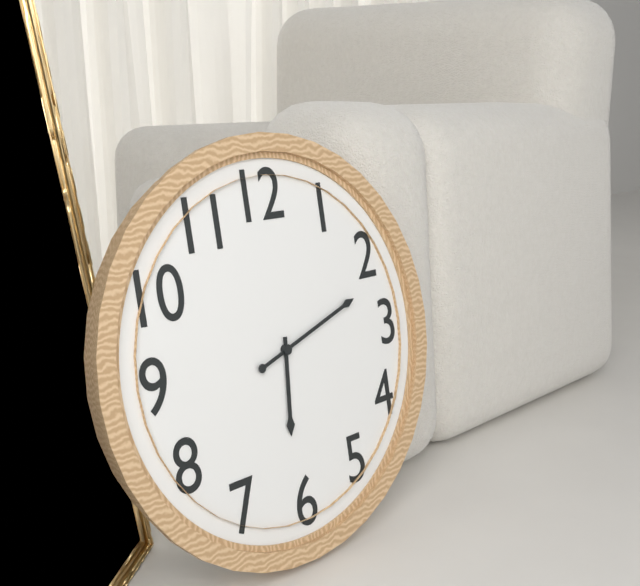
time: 6:12
